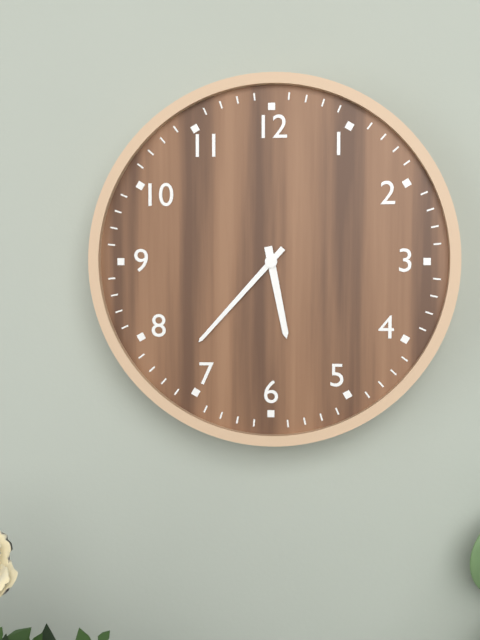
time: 5:37
